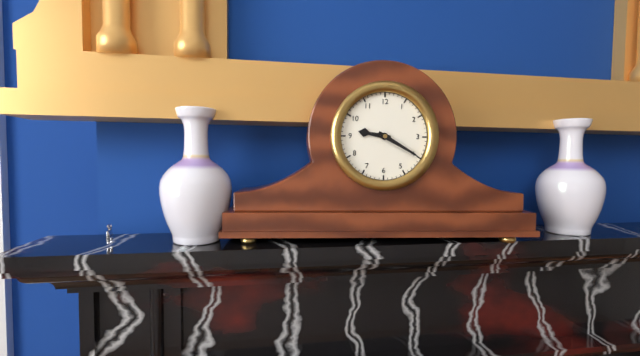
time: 9:20
